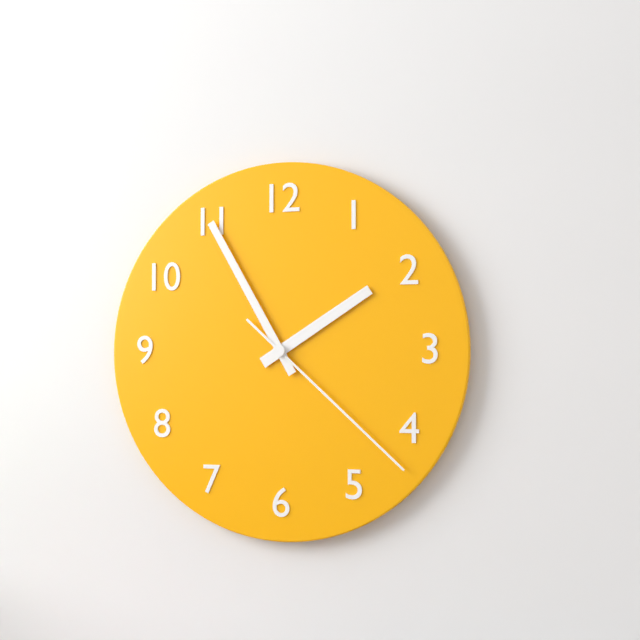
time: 1:55:22
